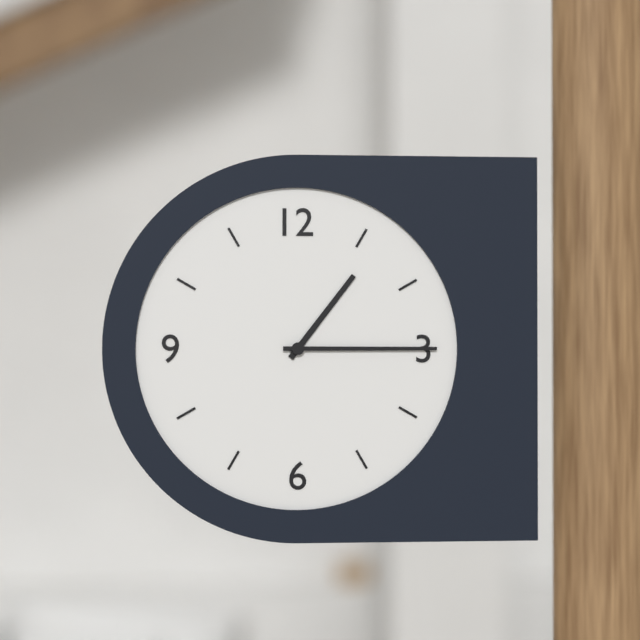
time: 1:15
